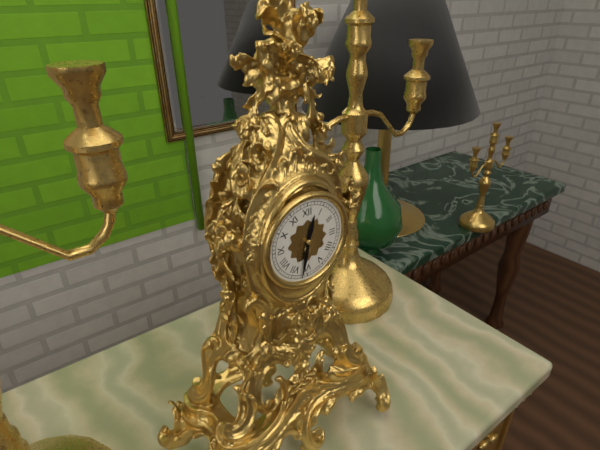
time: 12:32
